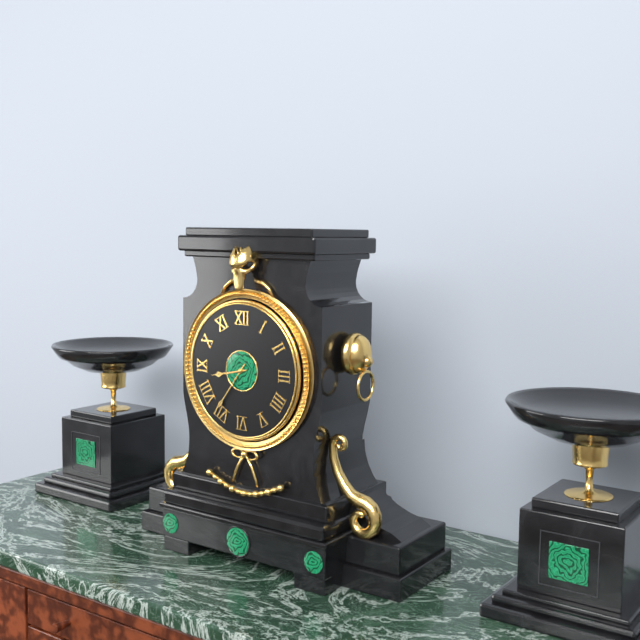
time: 8:36
